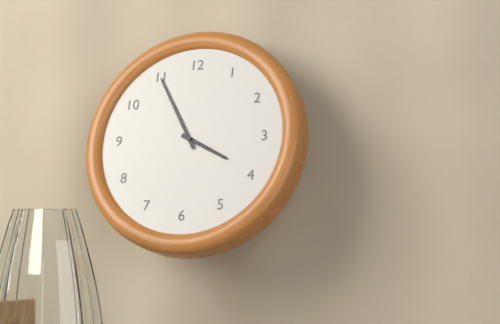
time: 3:55
